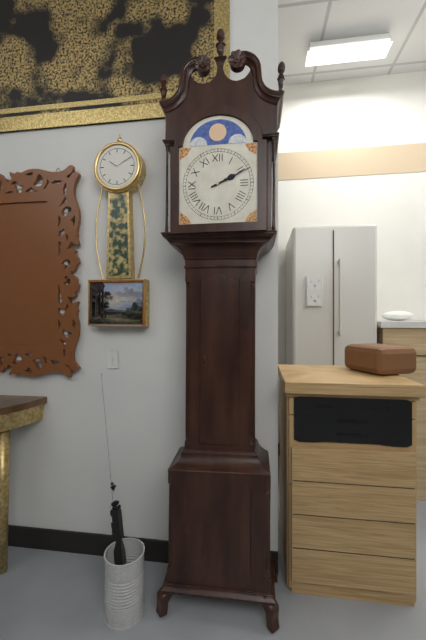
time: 2:11
